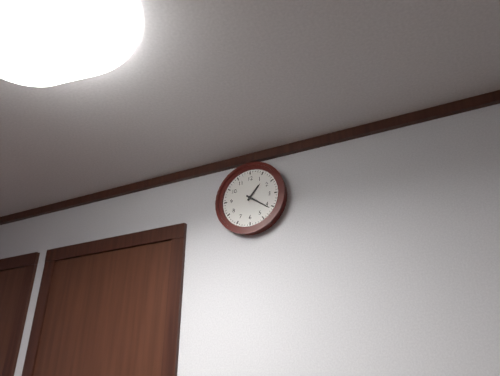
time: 1:21
